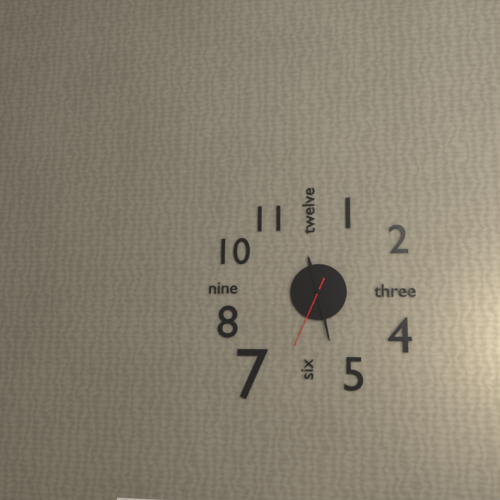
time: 11:28:34
